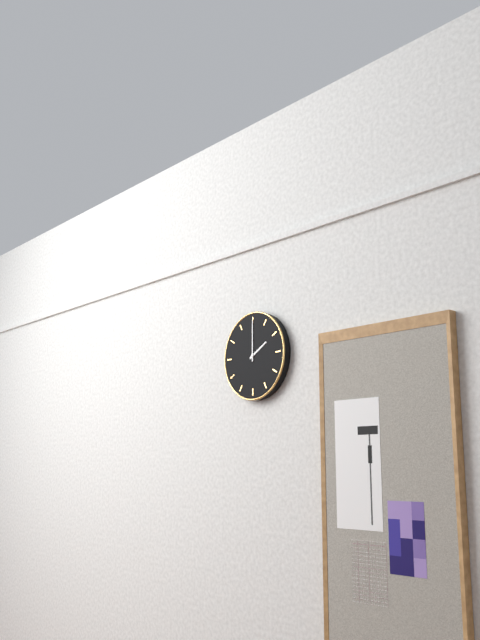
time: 2:00
